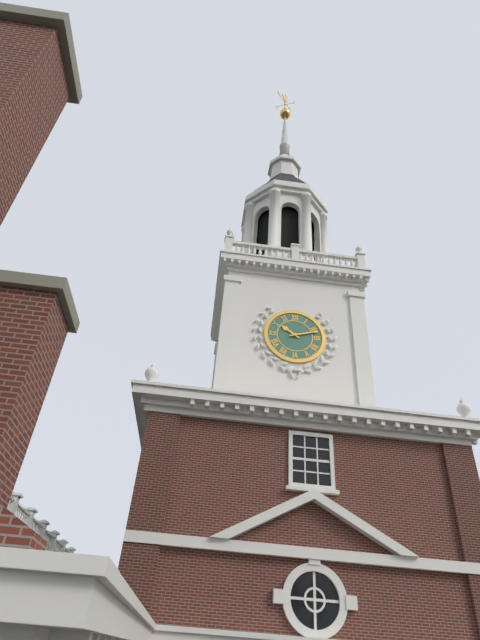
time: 10:12
